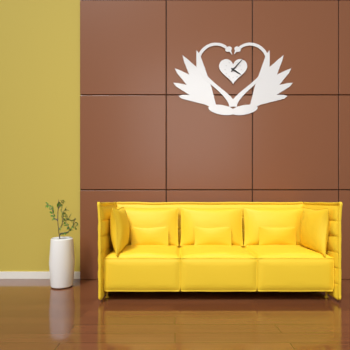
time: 4:07
